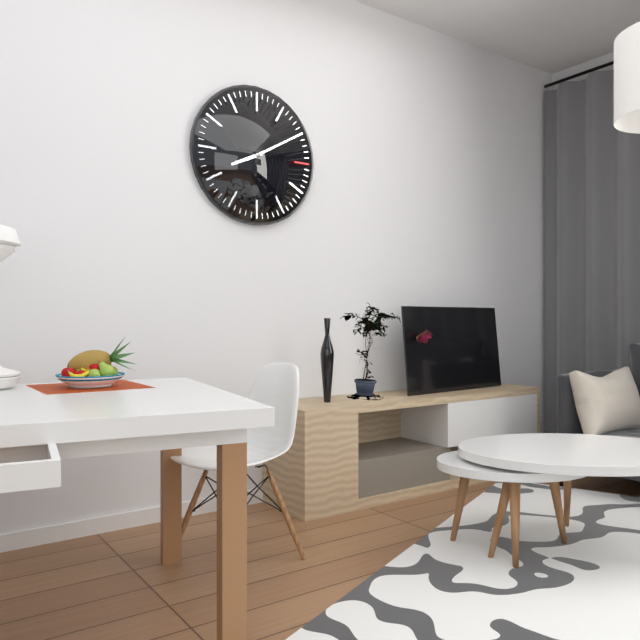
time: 8:10
